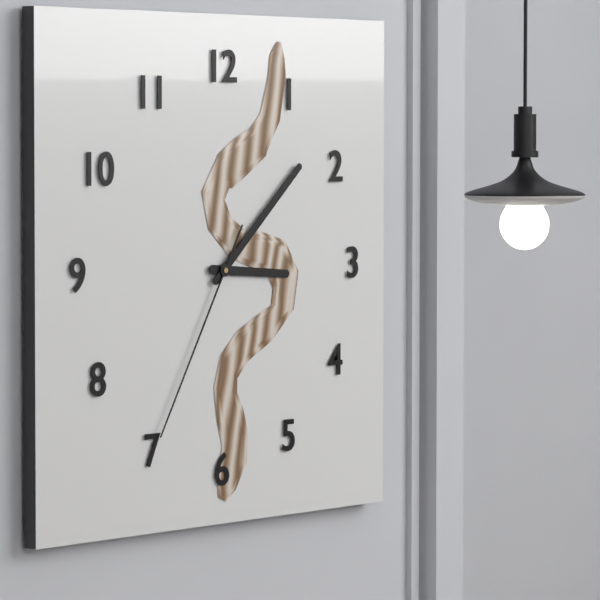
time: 3:08:35
